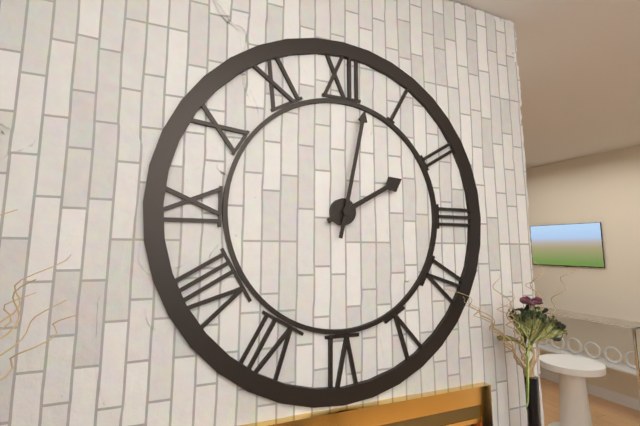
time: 2:02
